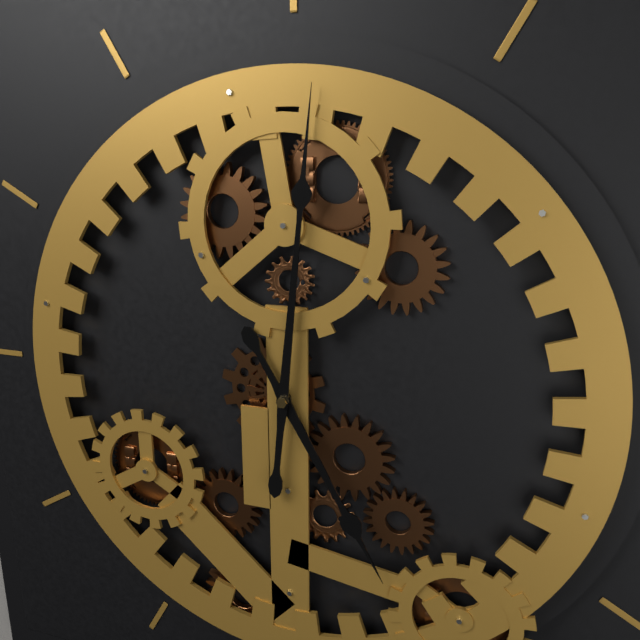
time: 5:01
